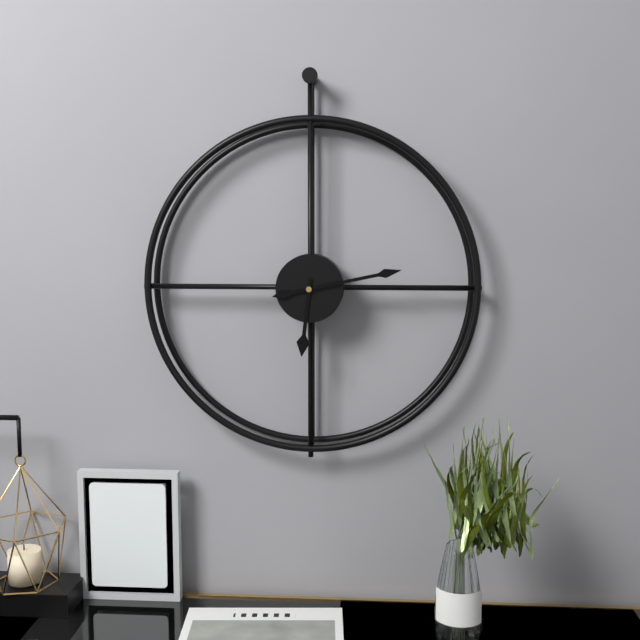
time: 6:13
